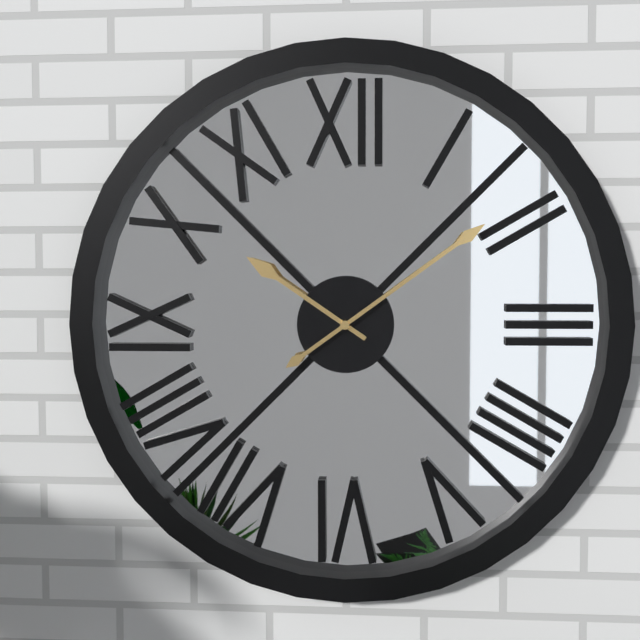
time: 10:09
